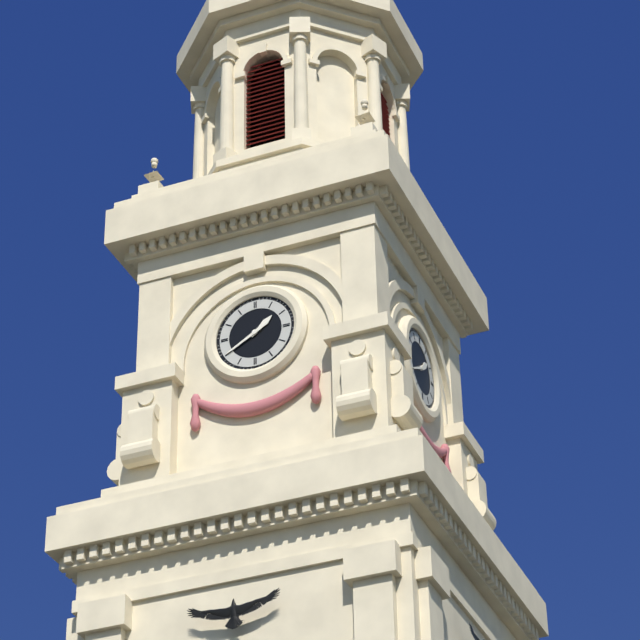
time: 1:40
